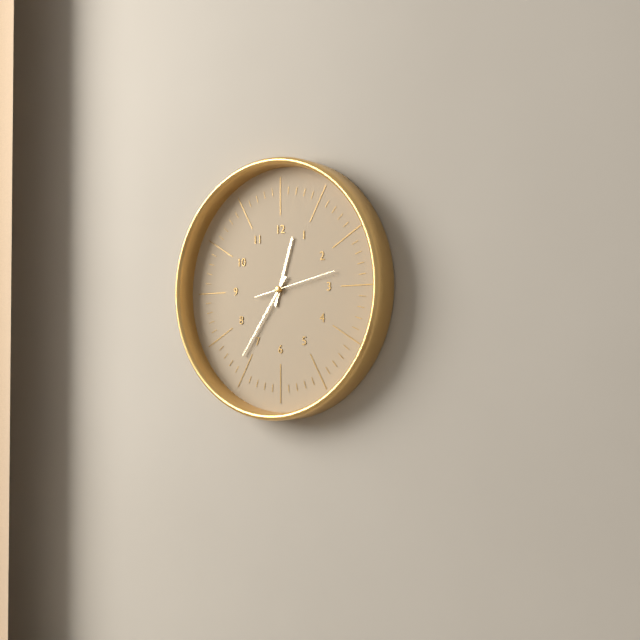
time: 12:36:13
